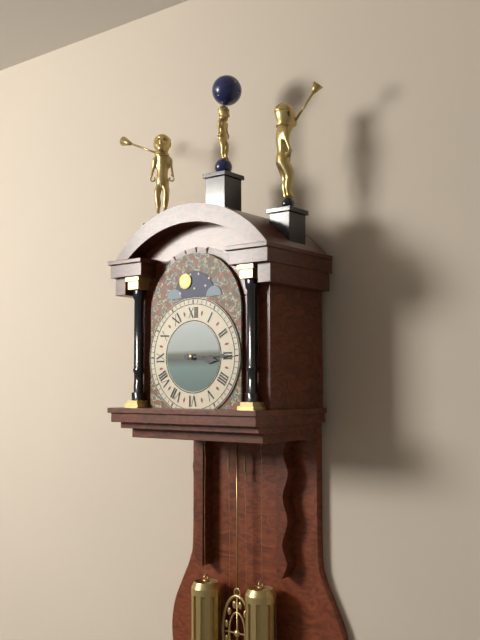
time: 3:15
